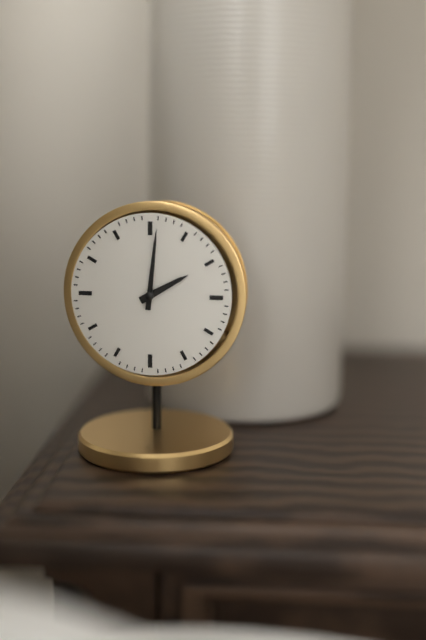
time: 2:01
